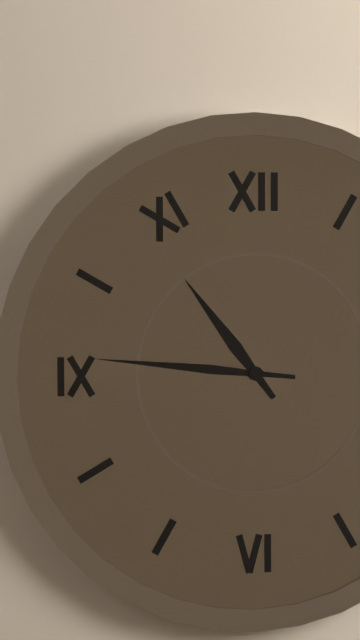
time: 10:46
